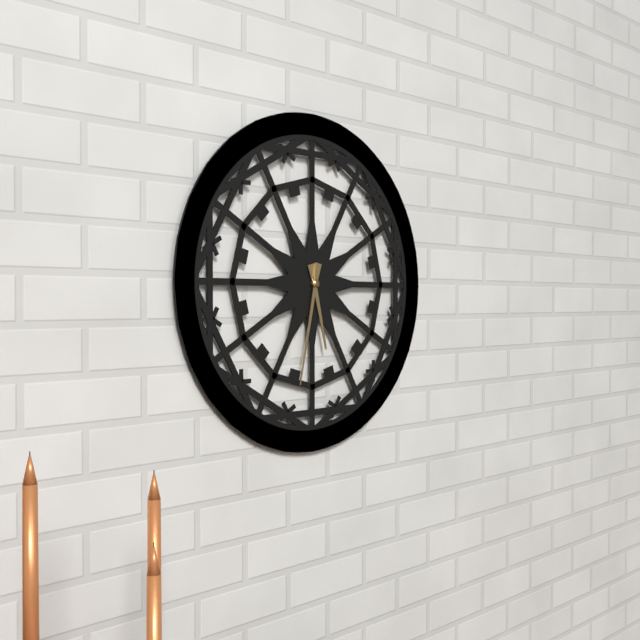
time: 5:32
